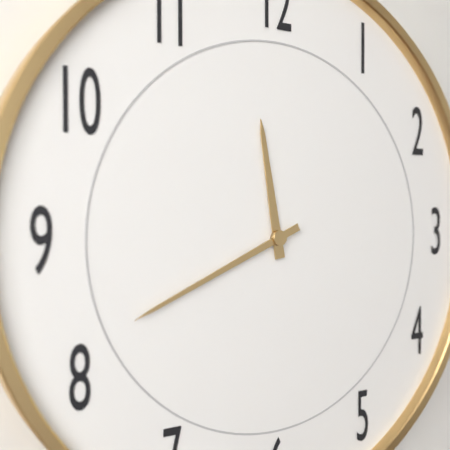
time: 11:41
